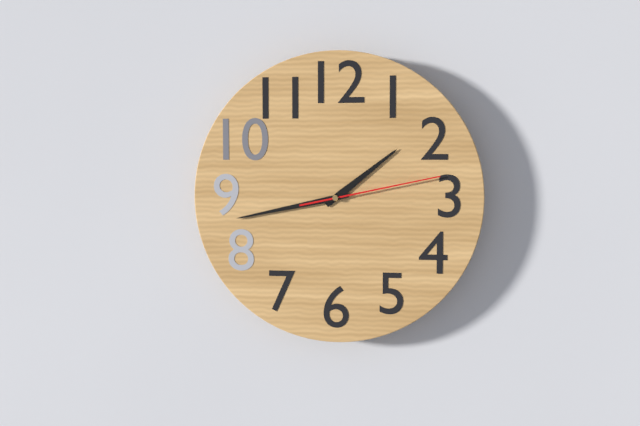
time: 1:43:13
